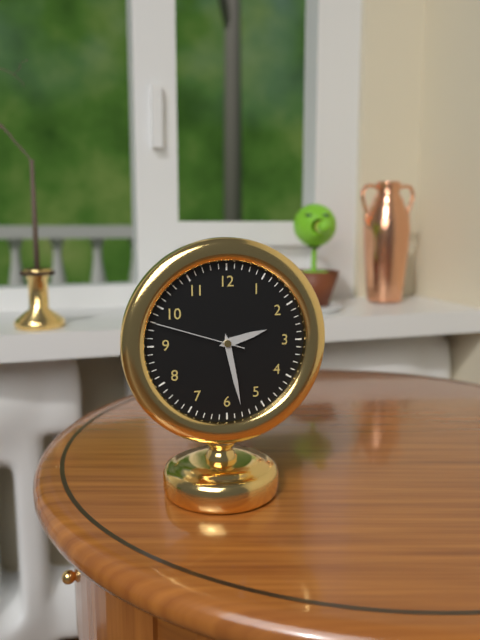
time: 2:28:48
